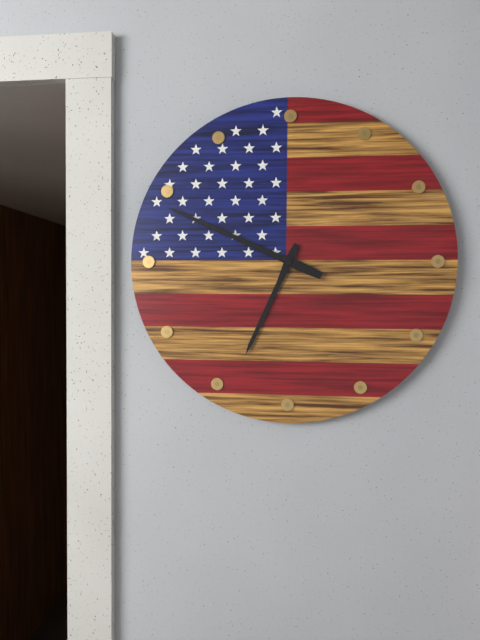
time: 6:49
